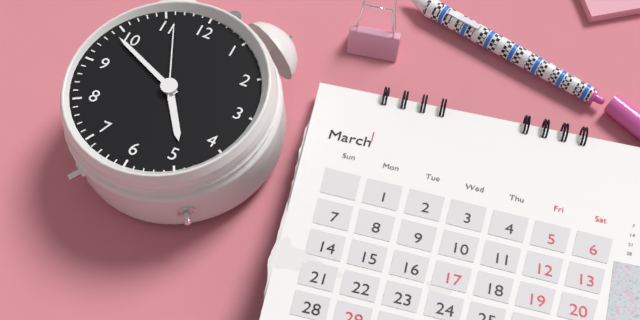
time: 4:49:56
